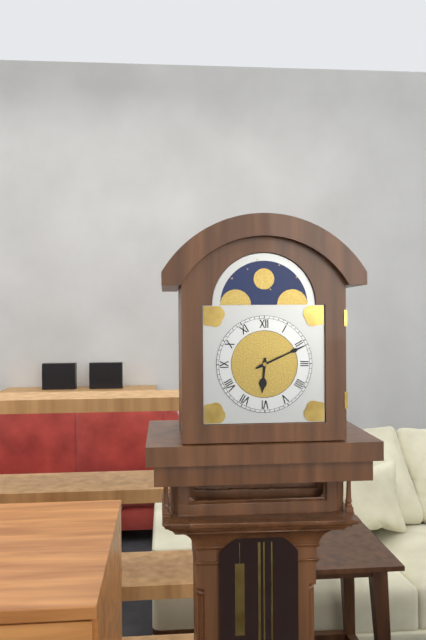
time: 6:11
